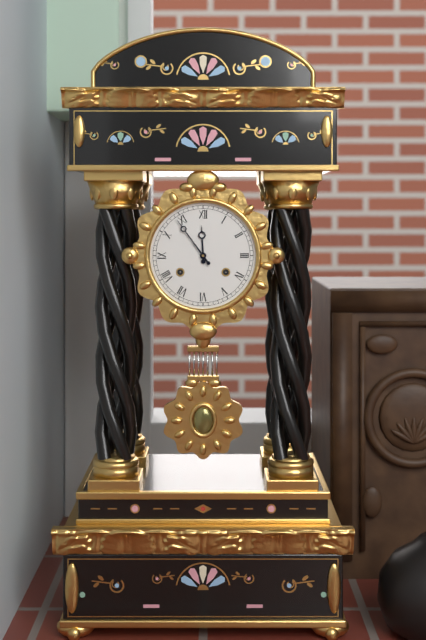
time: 11:54
